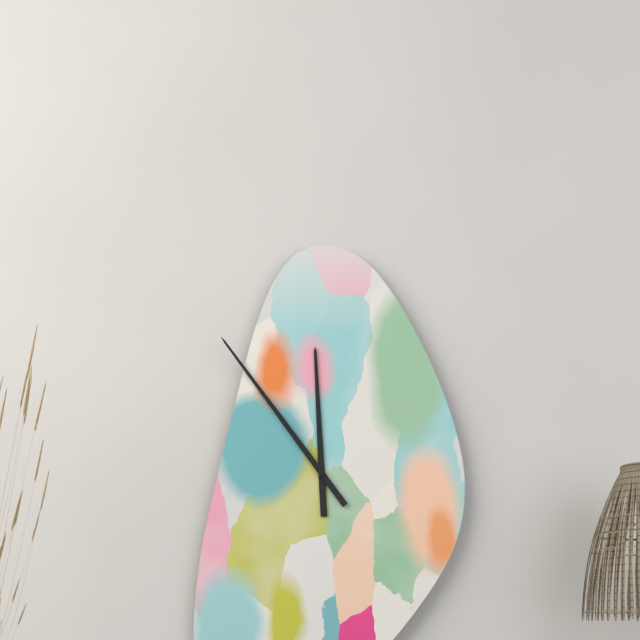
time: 11:54
